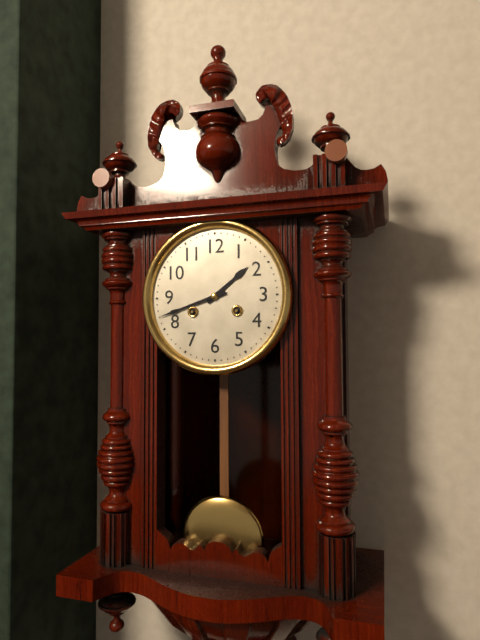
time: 1:42
